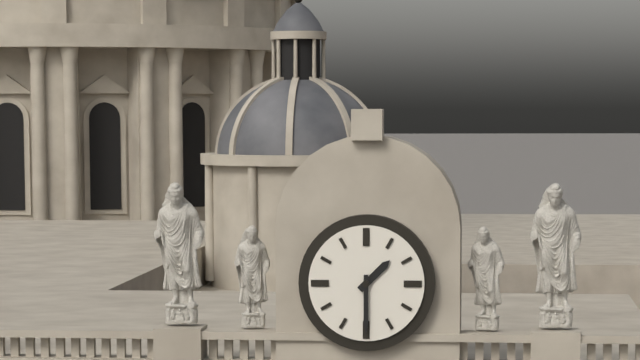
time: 1:30
